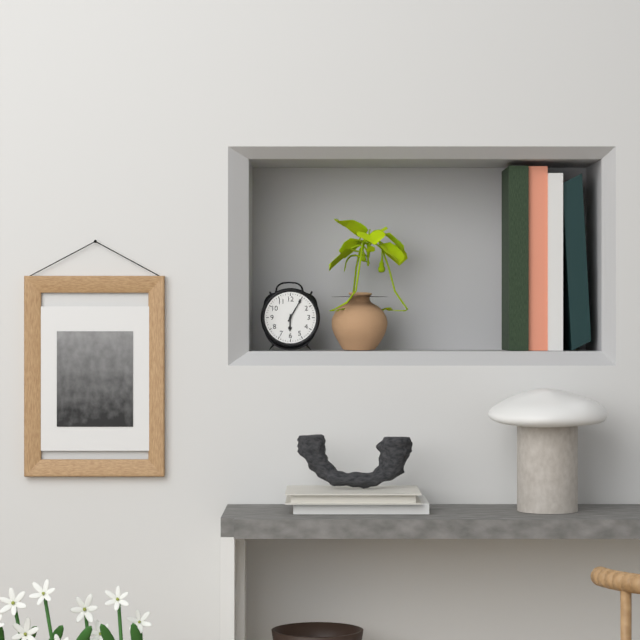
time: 6:05
